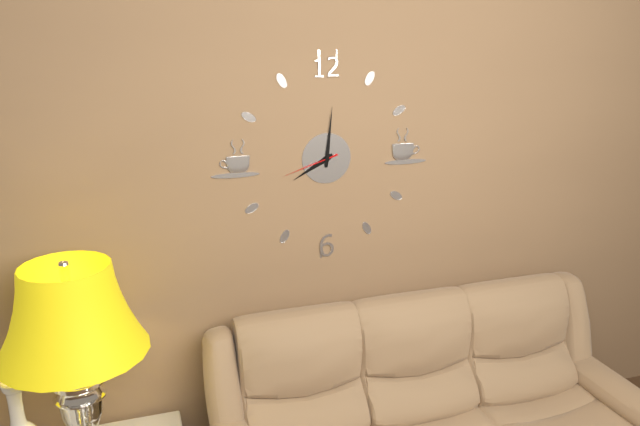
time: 8:01:42
